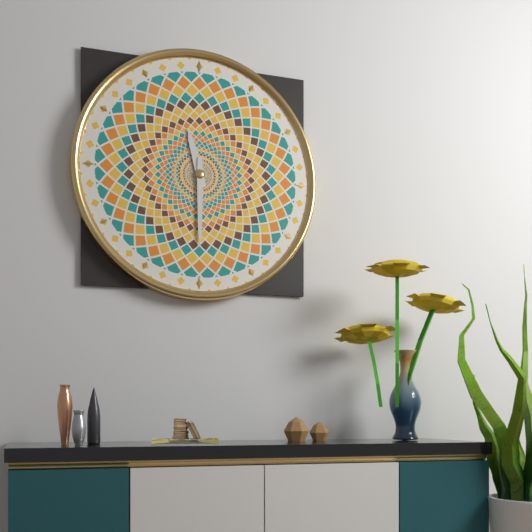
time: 11:30
